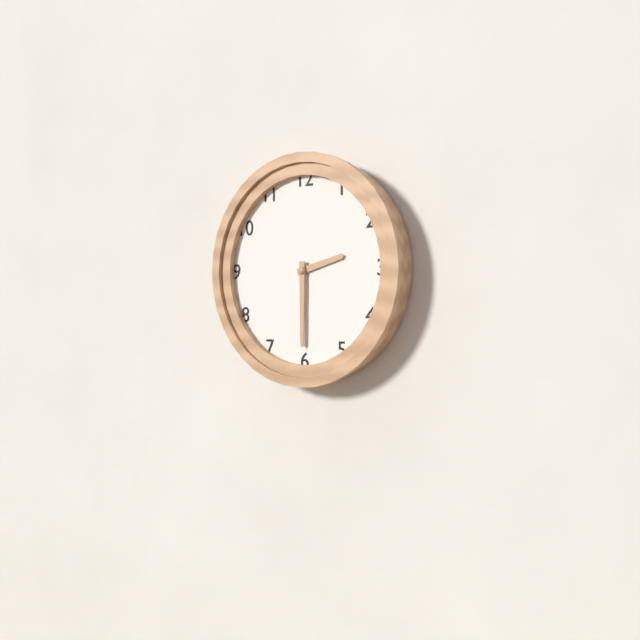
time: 2:30
